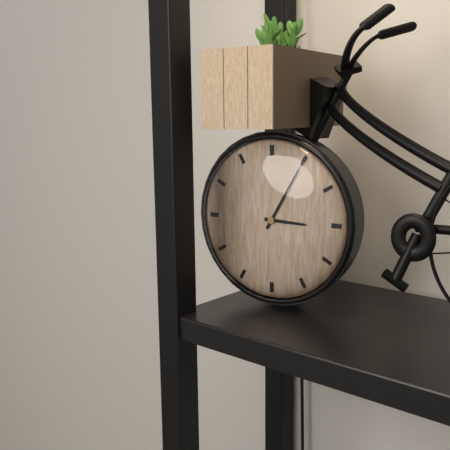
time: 3:05
